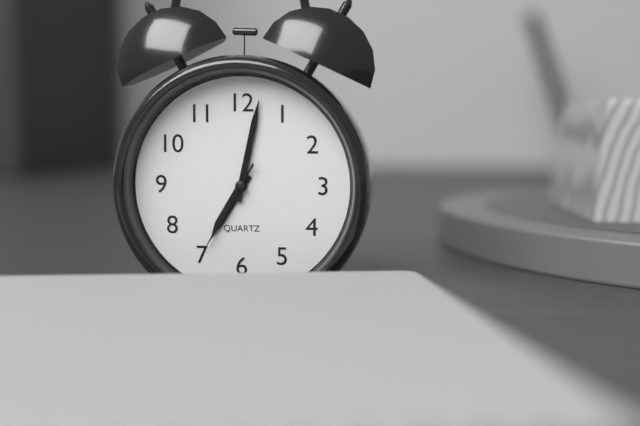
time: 7:02:35
